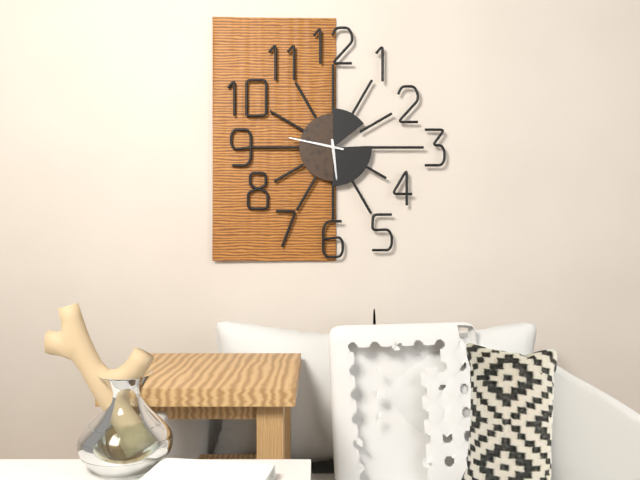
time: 5:47
